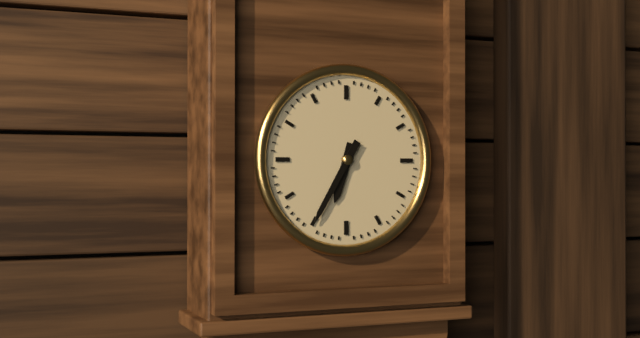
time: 6:35
